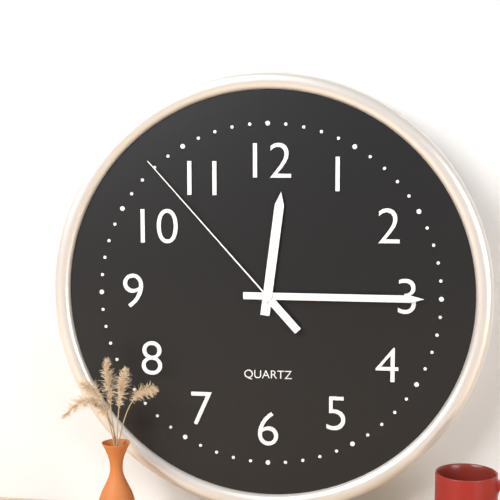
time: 12:15:53
